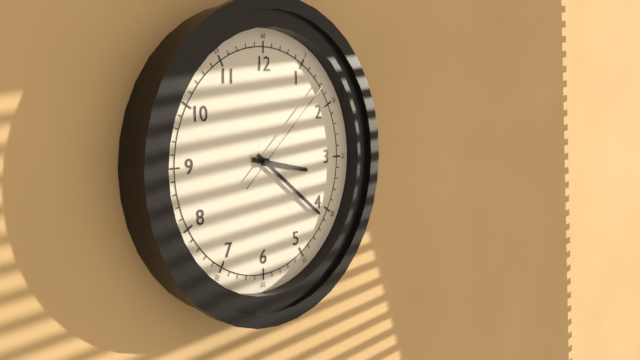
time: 3:21:08
